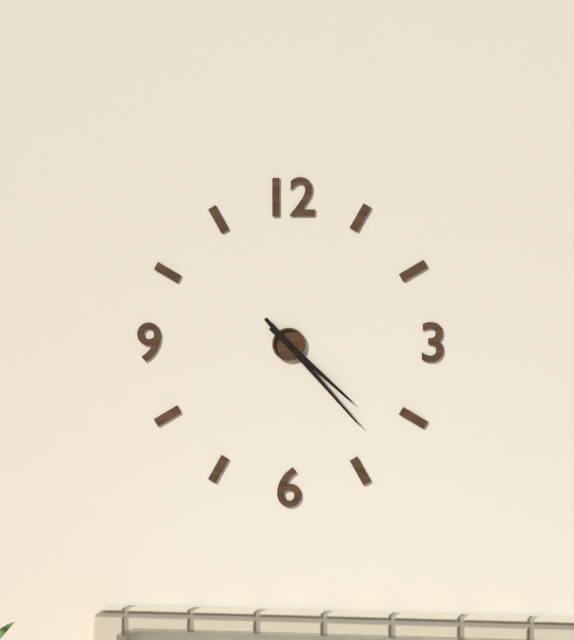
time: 4:23
